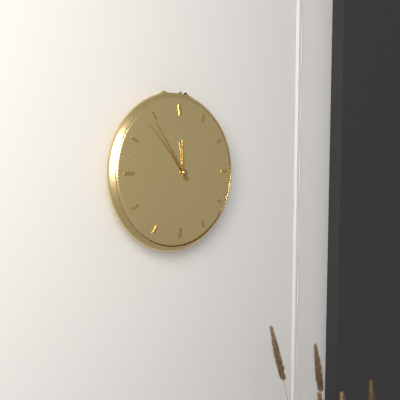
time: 11:54
